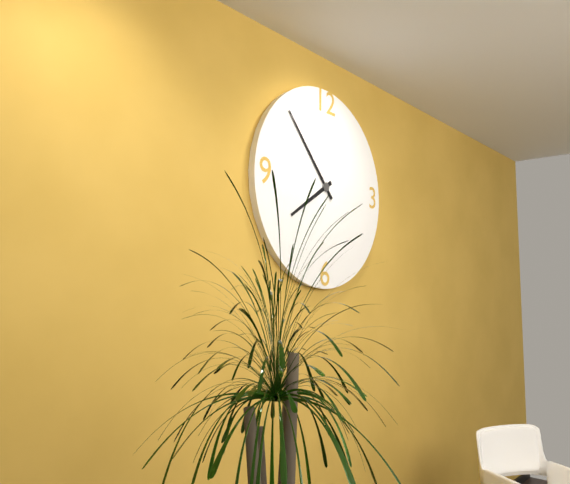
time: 7:53
